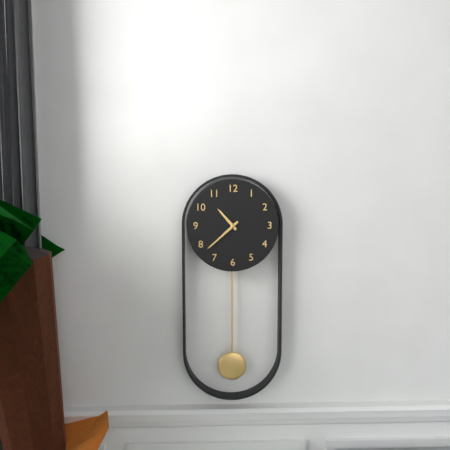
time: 10:38
